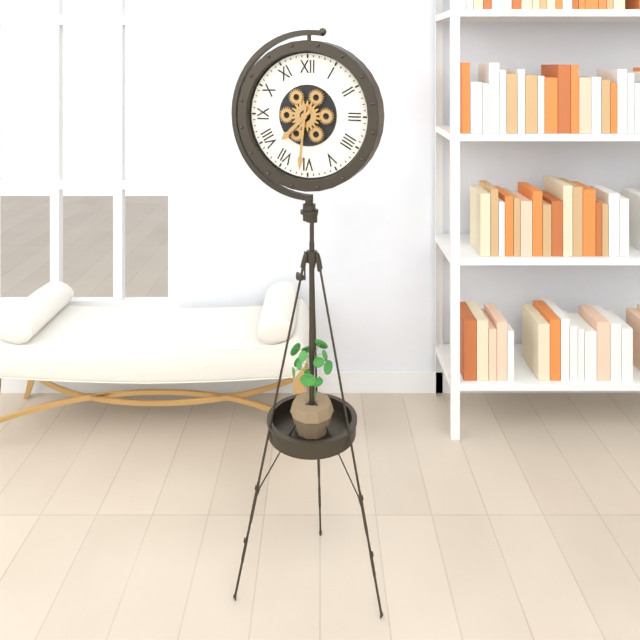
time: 7:31
